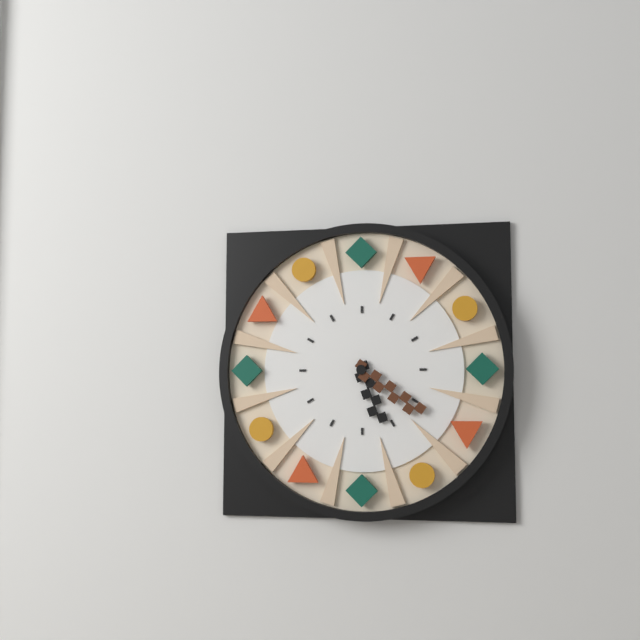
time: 5:21
